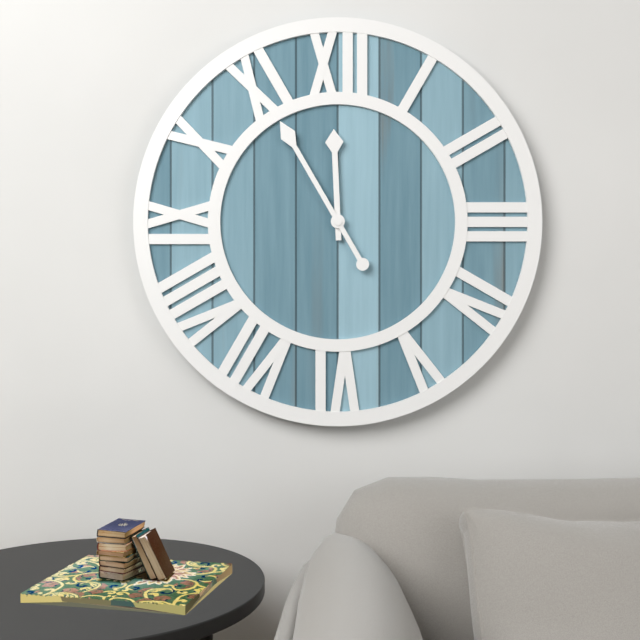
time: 11:55
